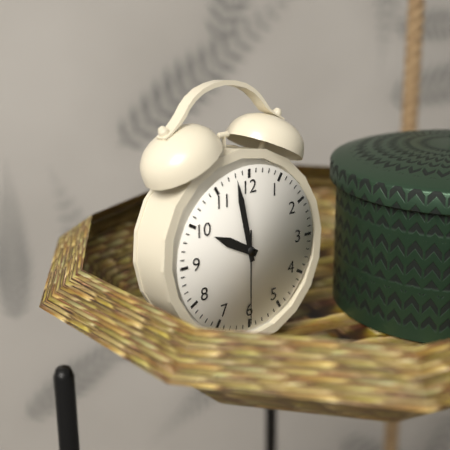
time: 9:58:30
